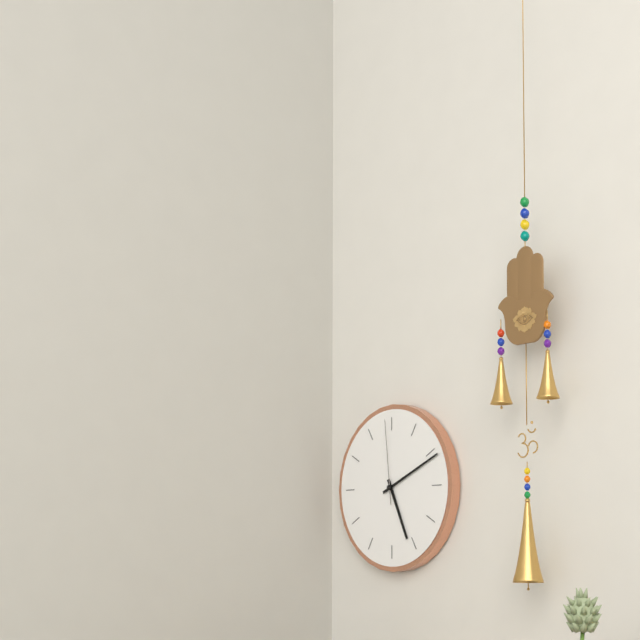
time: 5:11:59
